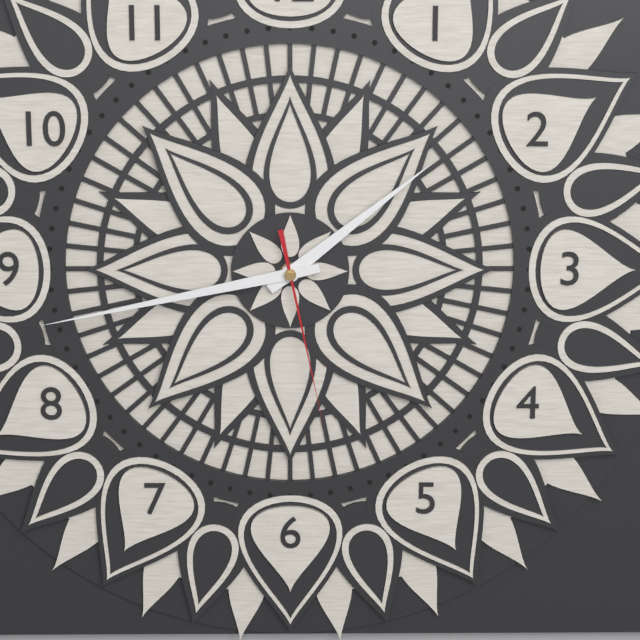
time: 1:43:28
